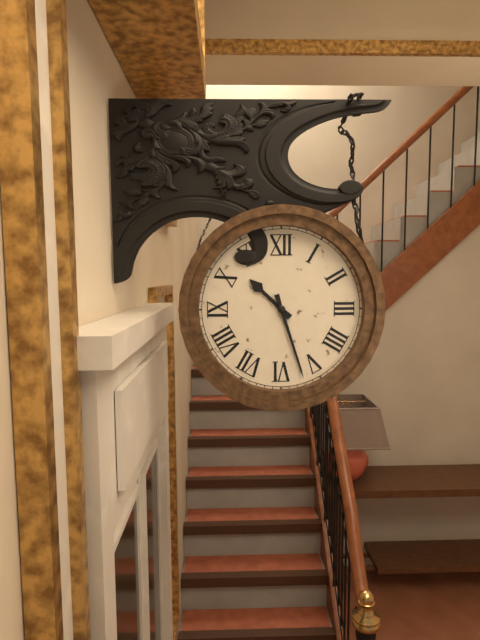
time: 10:27
